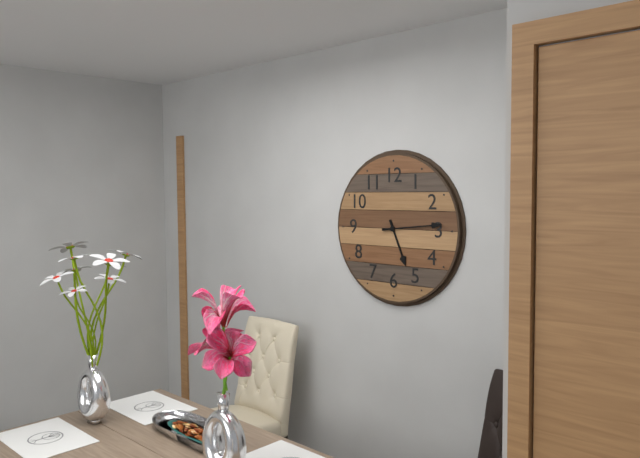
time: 5:14
